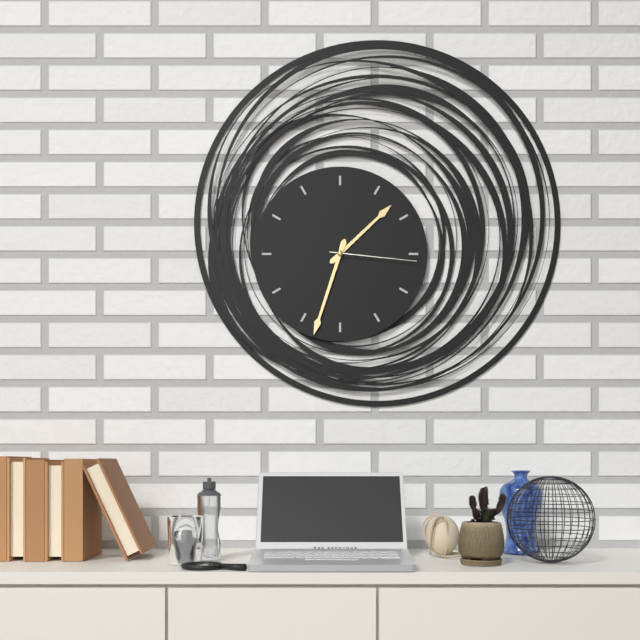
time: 1:33:16
